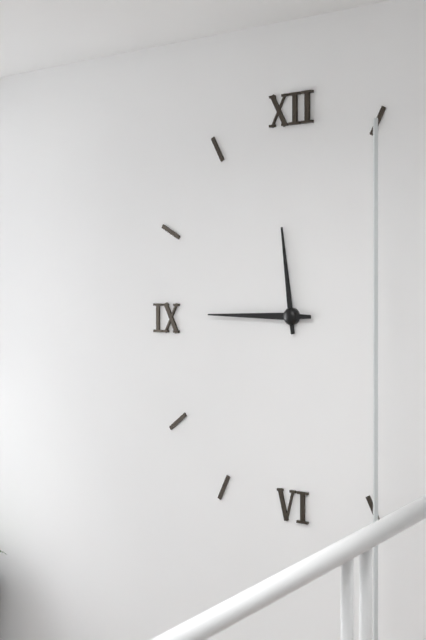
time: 11:45
